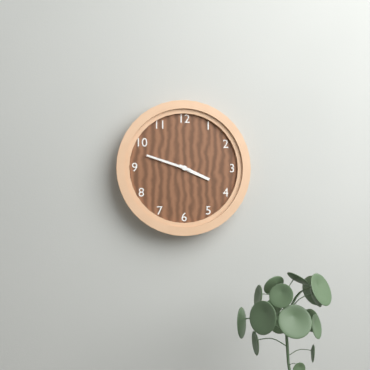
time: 3:48
